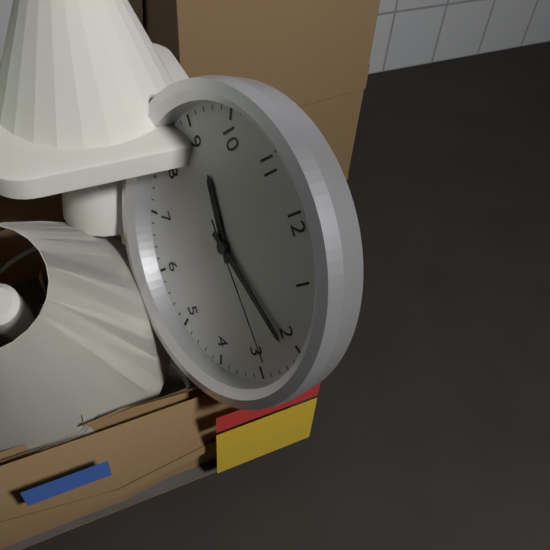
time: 9:11:14
